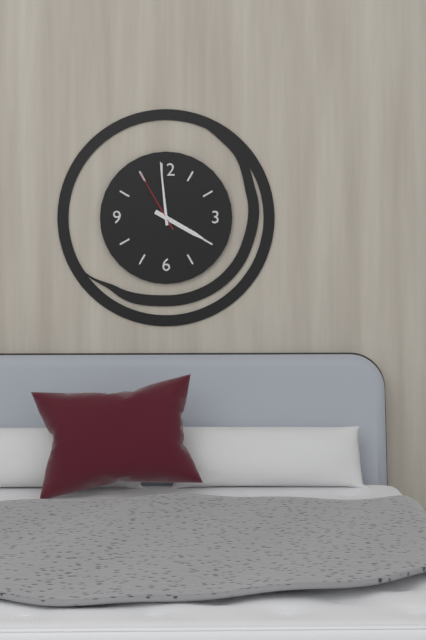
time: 3:59:55
